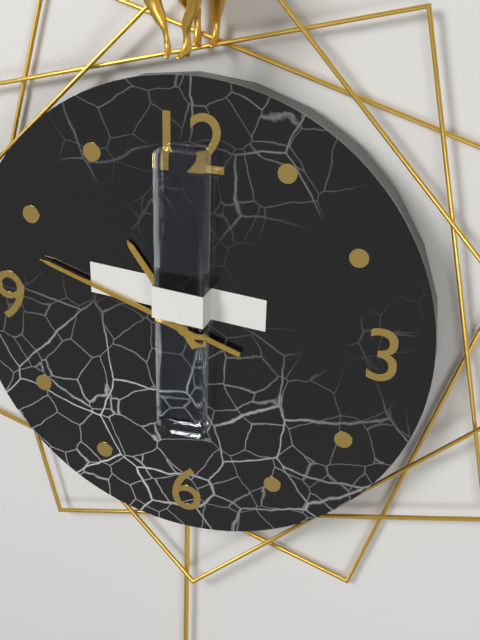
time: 10:48
